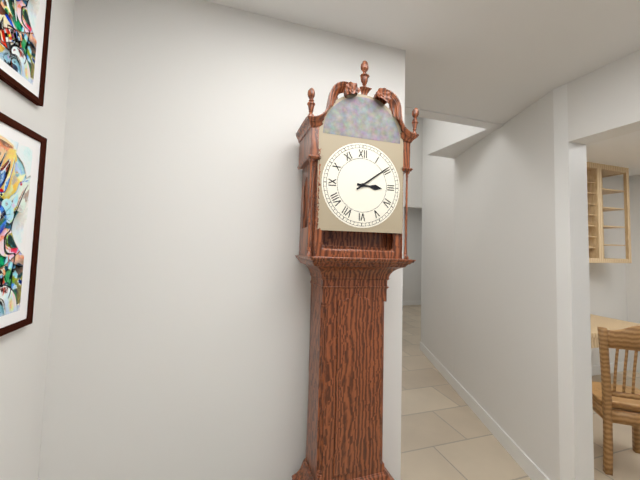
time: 3:09
